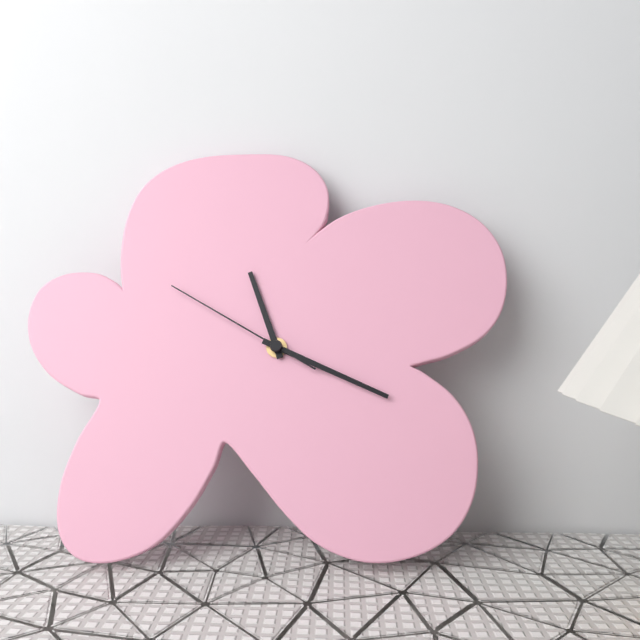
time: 11:19:50
